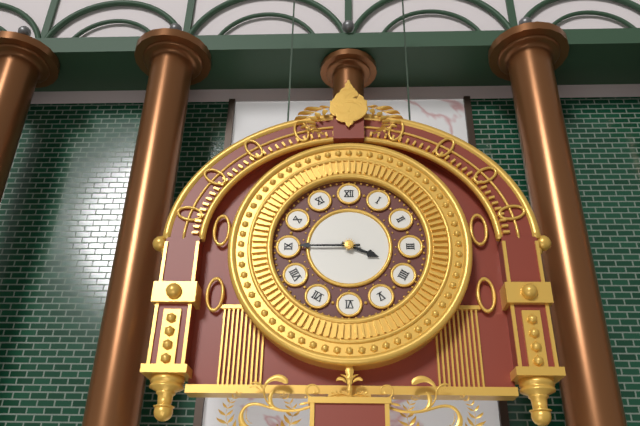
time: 3:45
